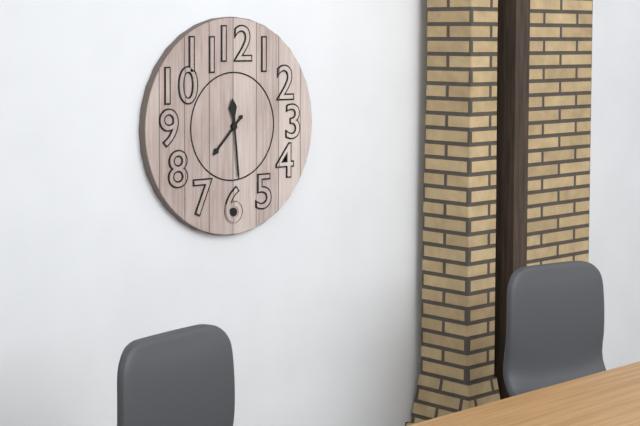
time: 7:29
